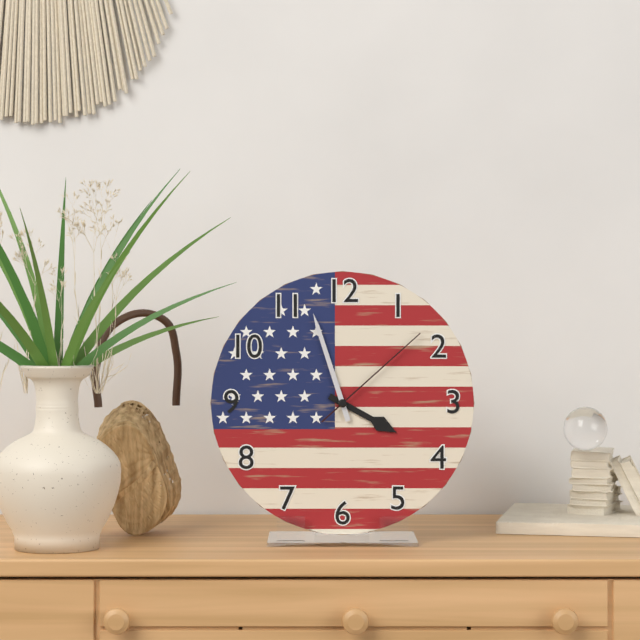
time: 3:57:08
